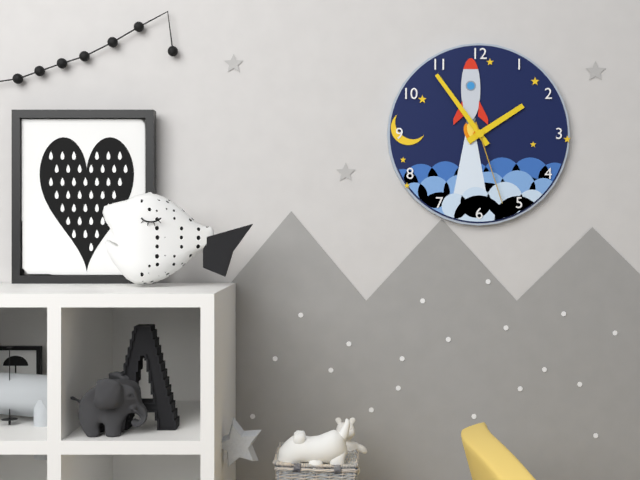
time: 1:54:27
